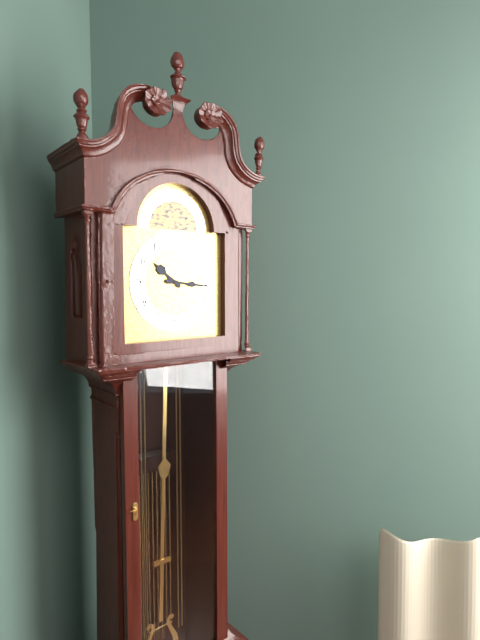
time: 10:16
